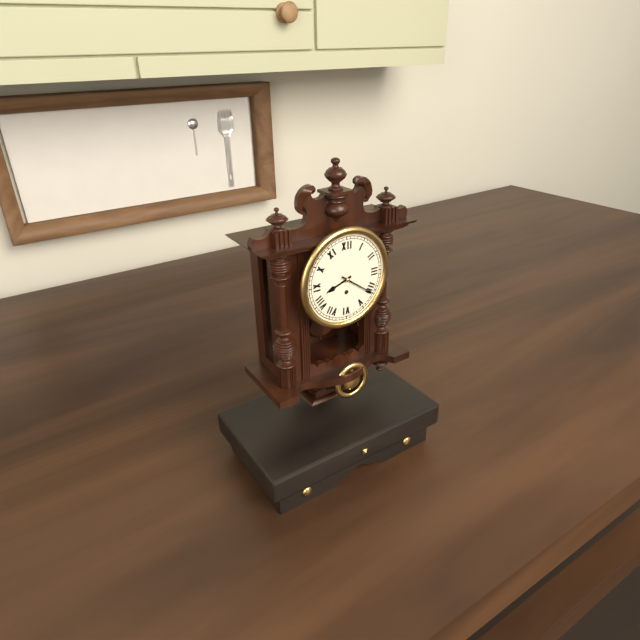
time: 8:21
